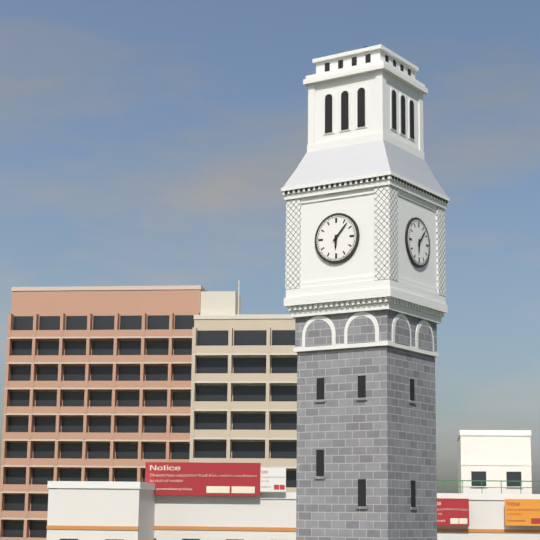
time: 6:07
